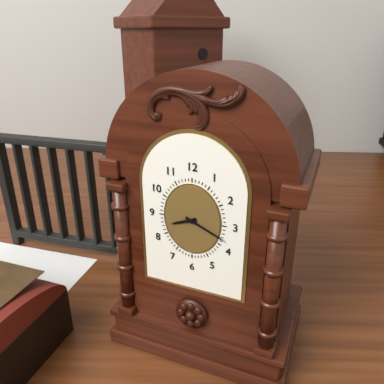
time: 8:19
